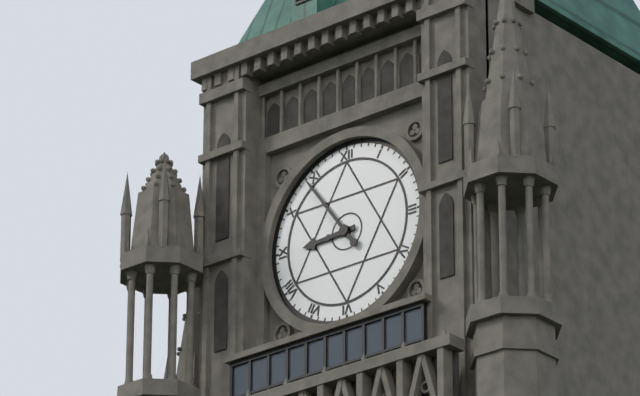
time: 8:54
